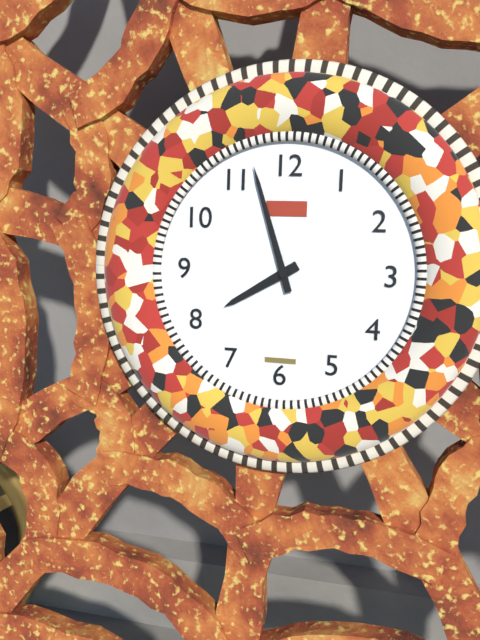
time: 7:57
